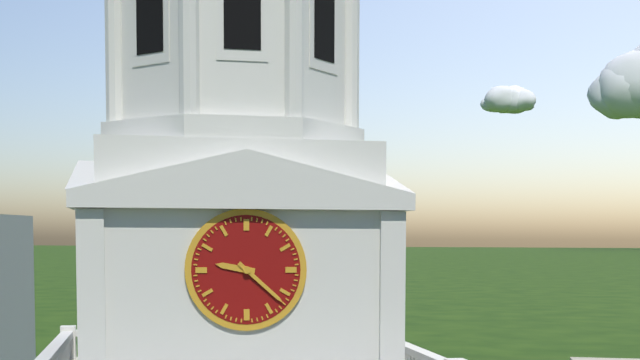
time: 9:22
